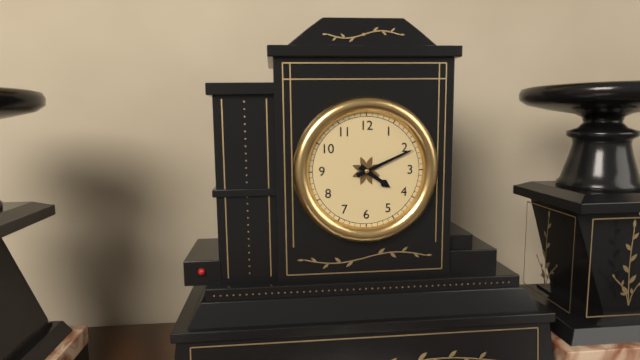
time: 4:11
